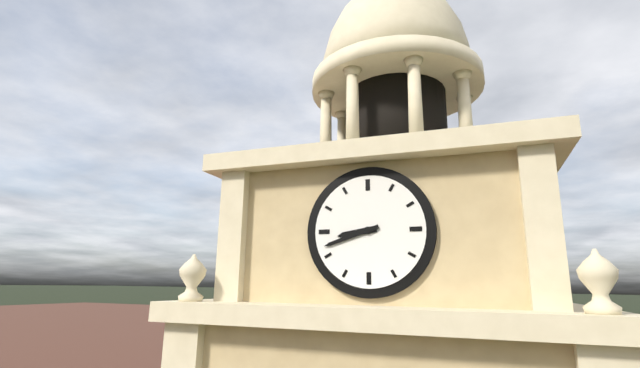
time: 8:42
